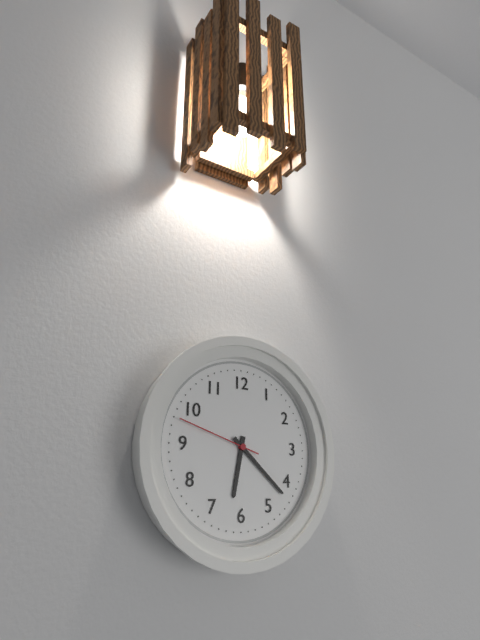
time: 6:22:48
